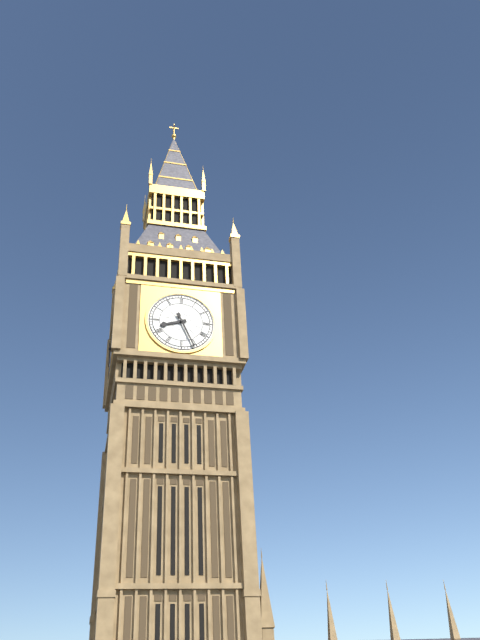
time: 8:26
